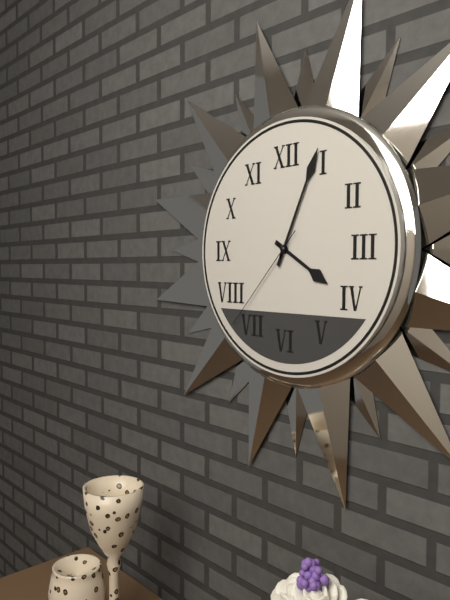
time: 4:04:37
